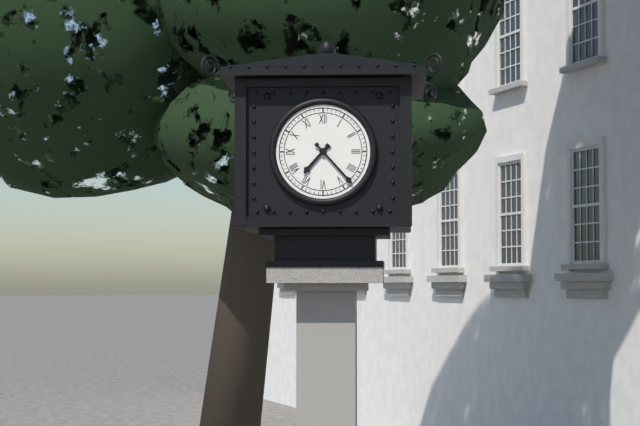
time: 7:23
